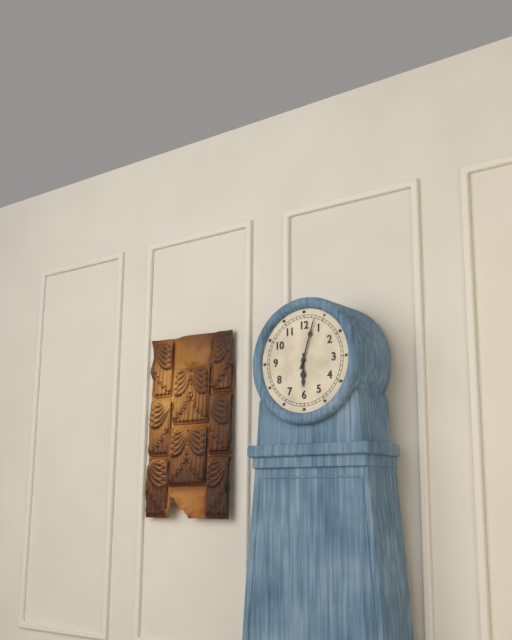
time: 6:03
